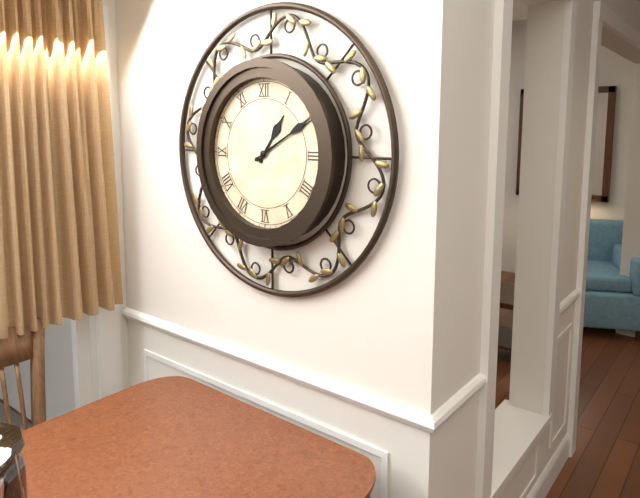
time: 1:10
